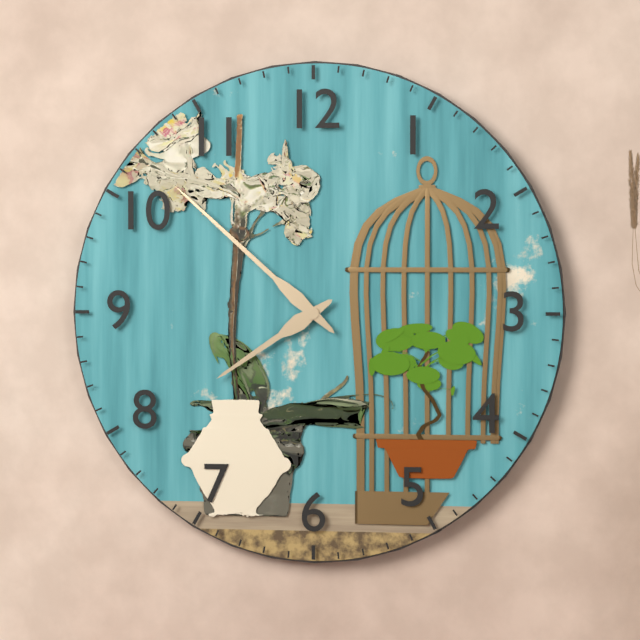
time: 7:52
